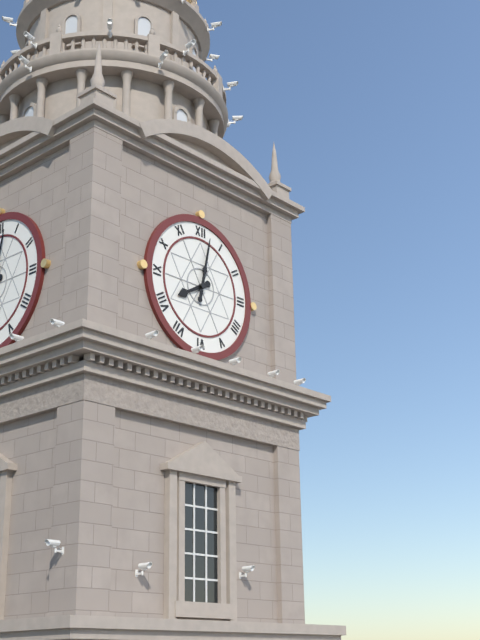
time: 8:02
